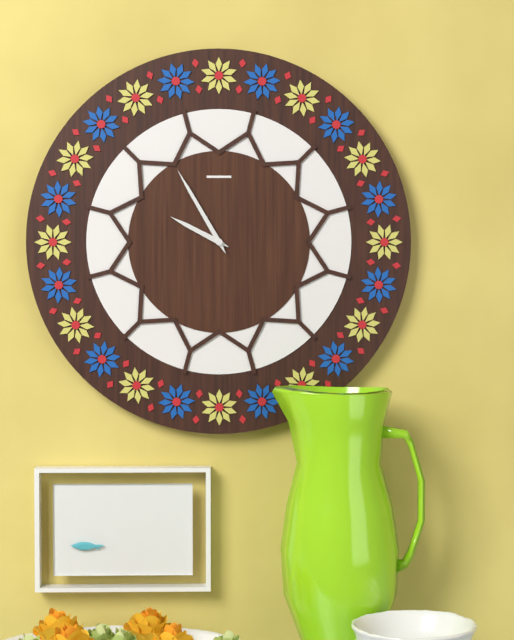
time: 9:55
